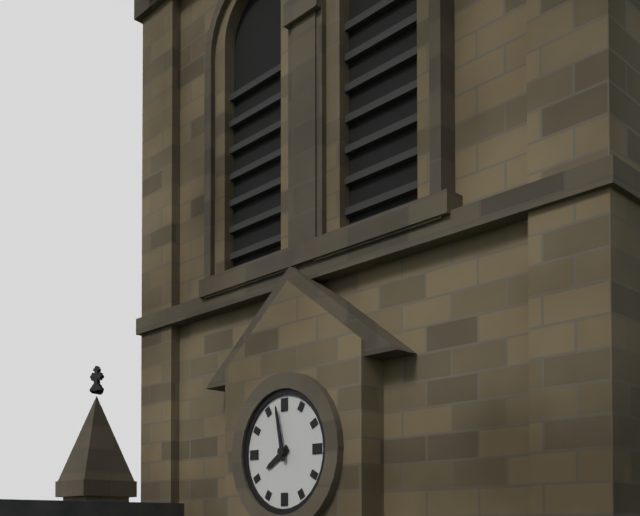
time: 7:58
